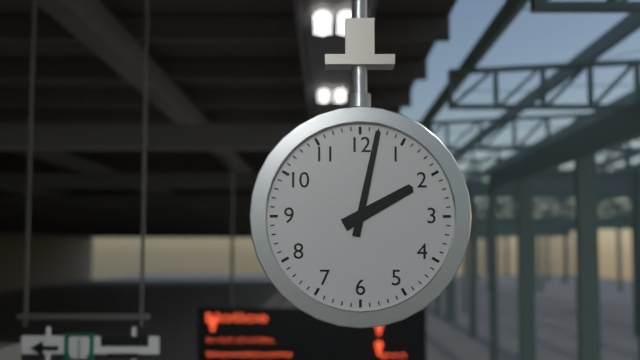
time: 2:02
